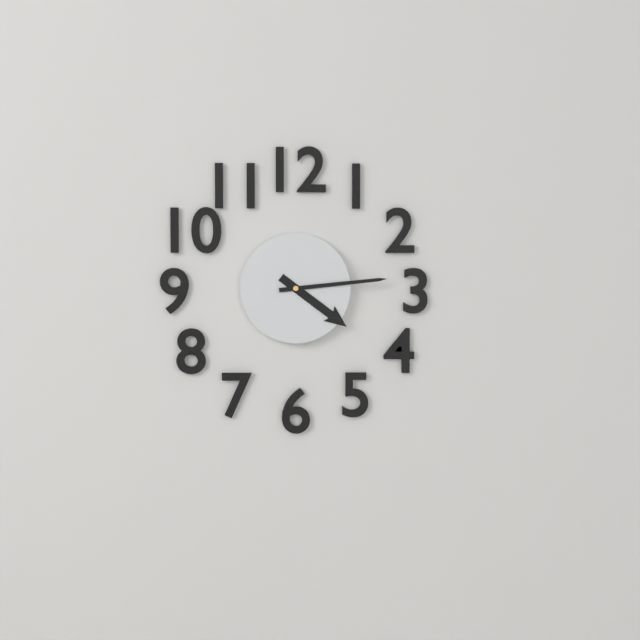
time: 4:14
